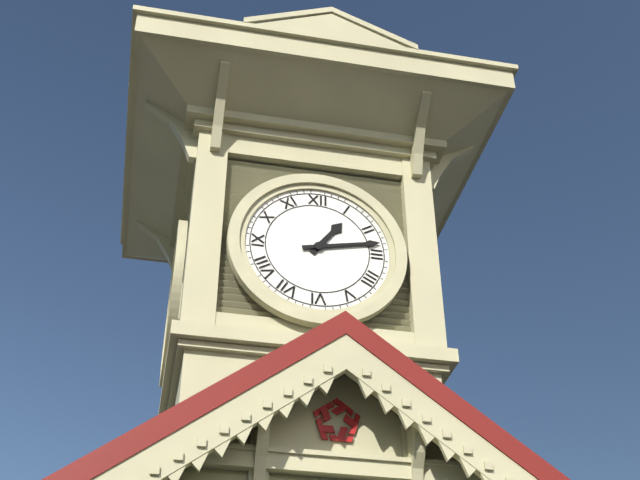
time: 1:13
